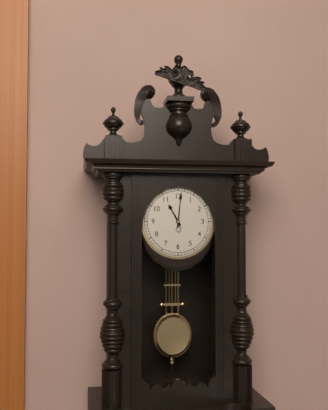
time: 11:01
